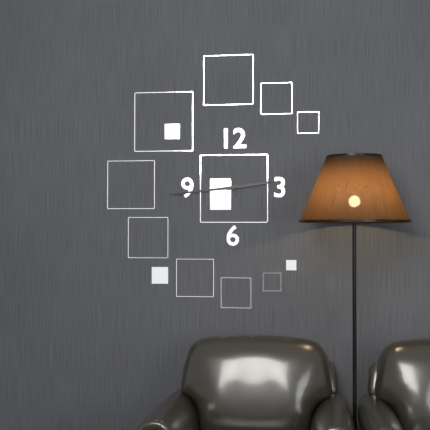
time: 2:44:57
